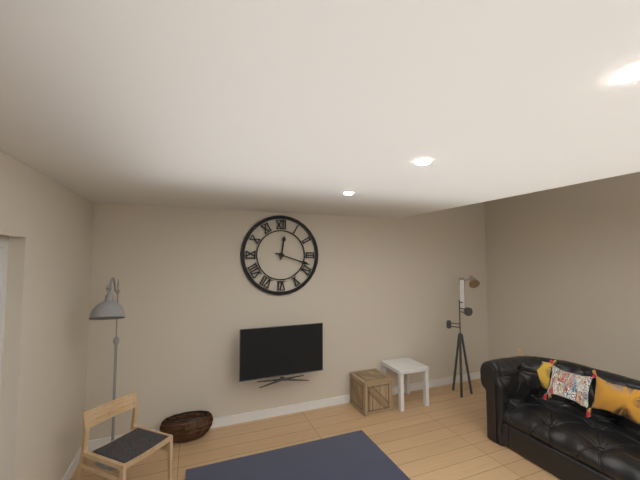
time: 12:18
